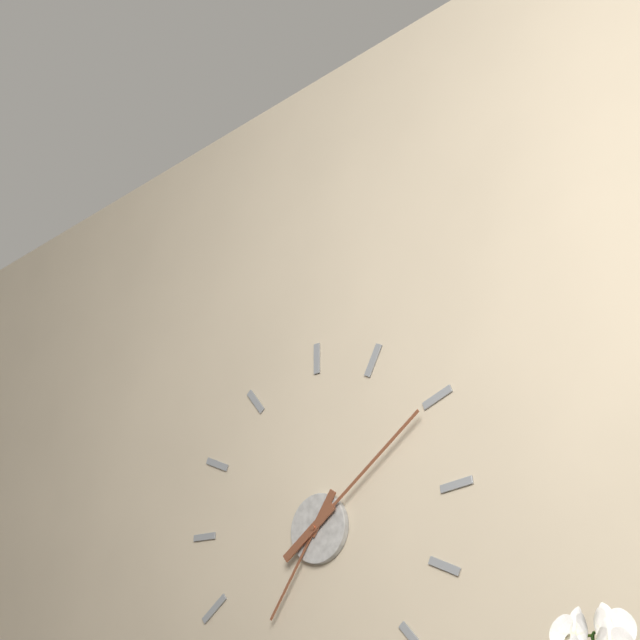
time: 7:09
